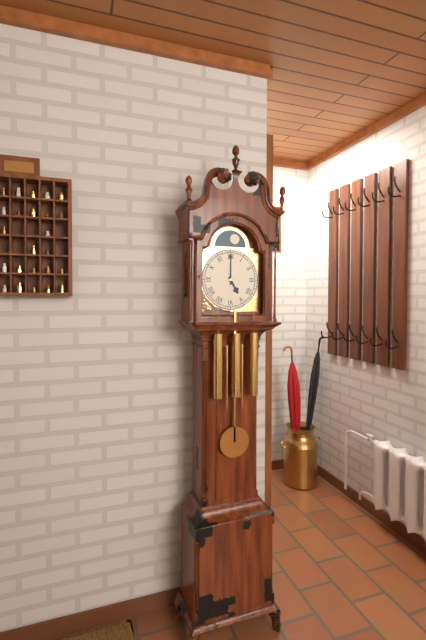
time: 5:00
